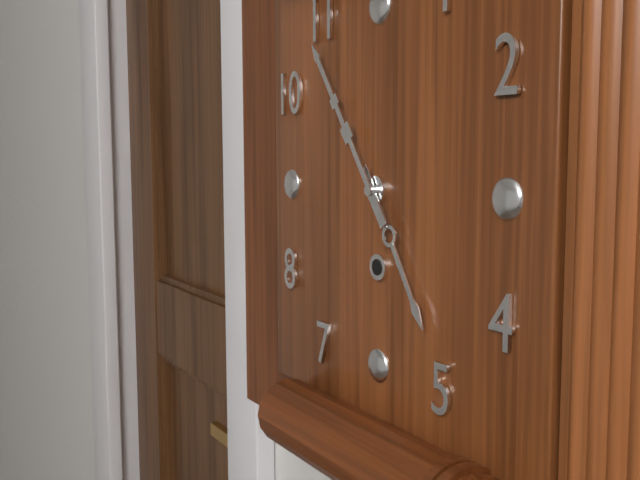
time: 4:54
